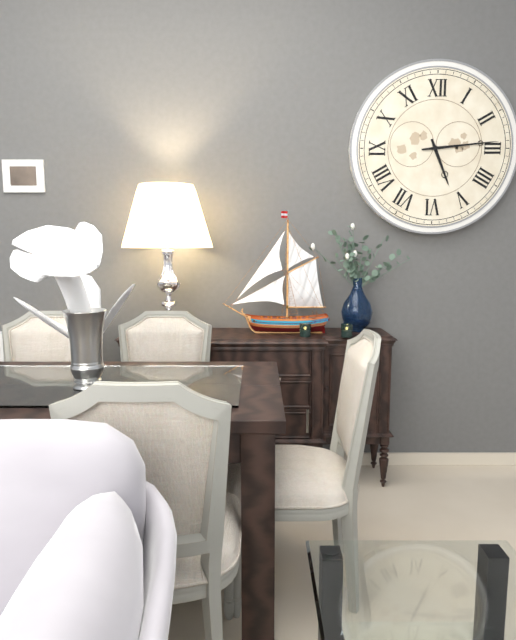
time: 5:14
